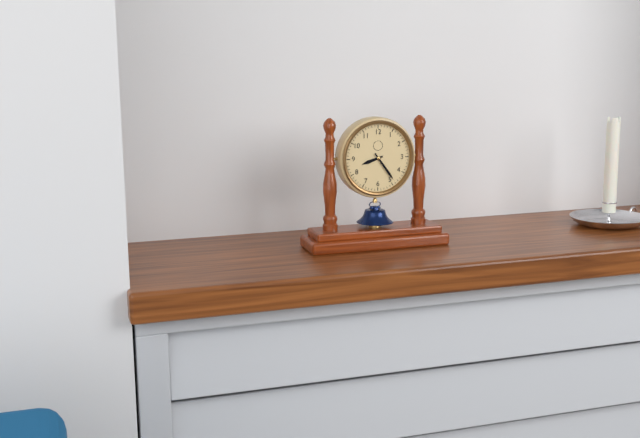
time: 8:24
